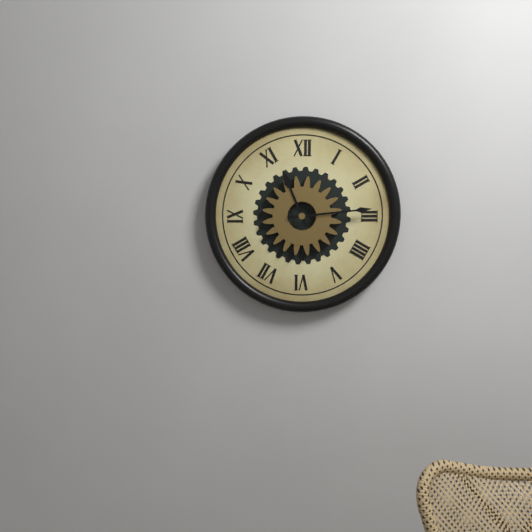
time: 11:14
